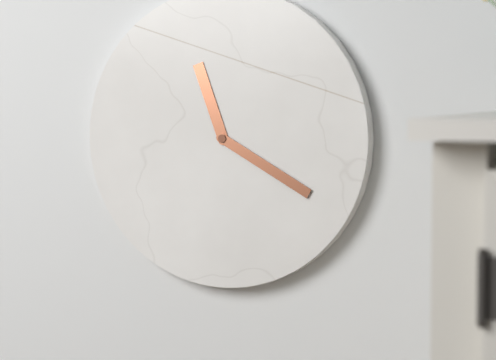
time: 11:20
